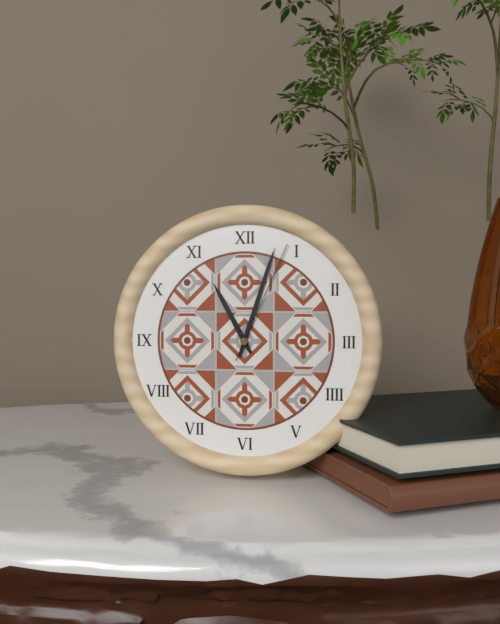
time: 11:03:04
